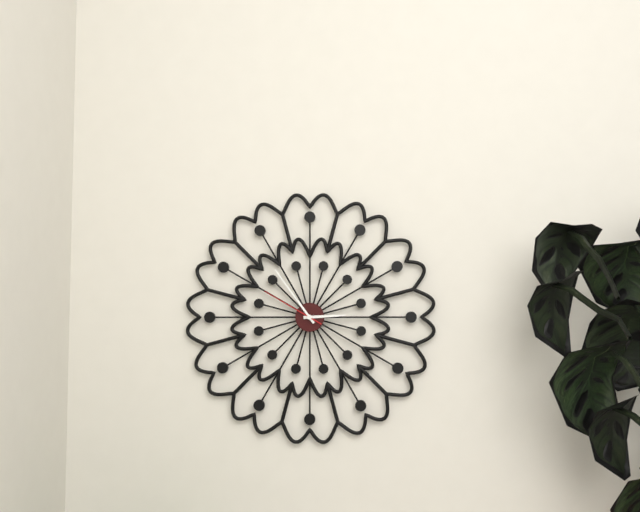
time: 2:54:50
